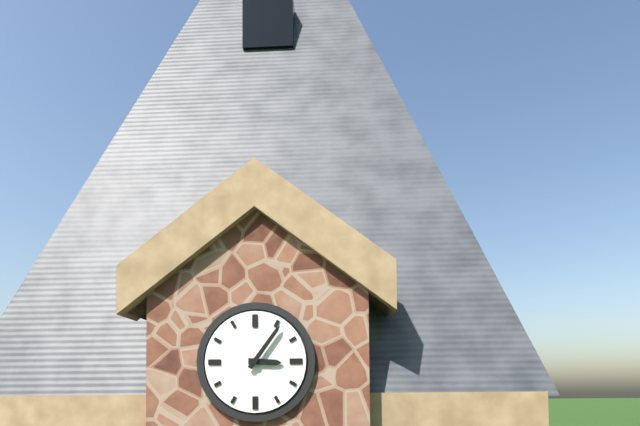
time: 3:06
